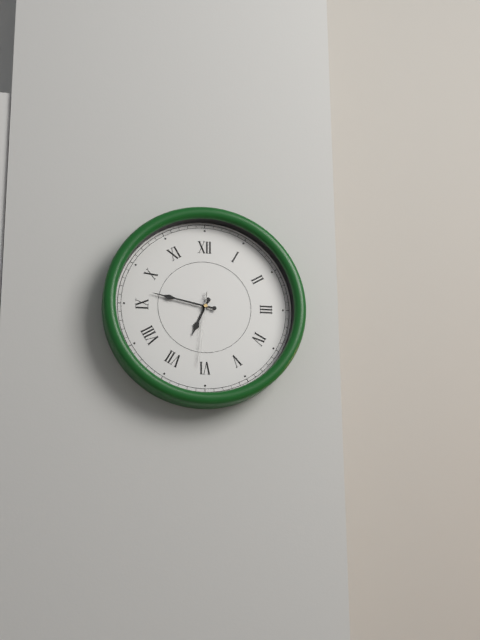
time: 6:47:31
